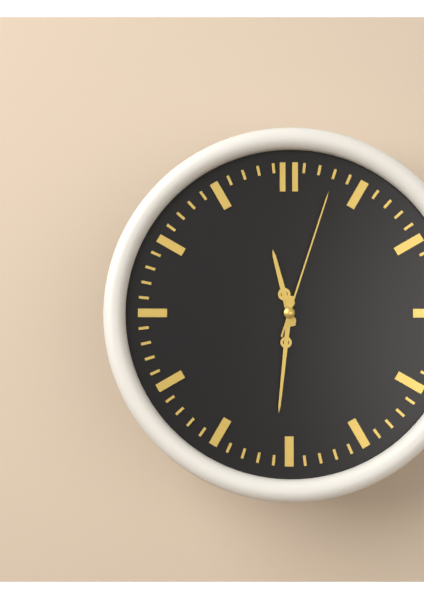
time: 11:31:03
